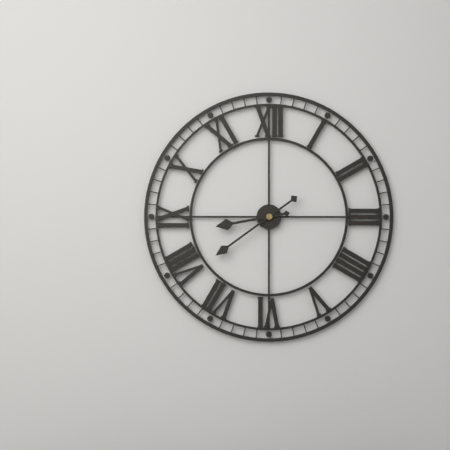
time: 8:39
